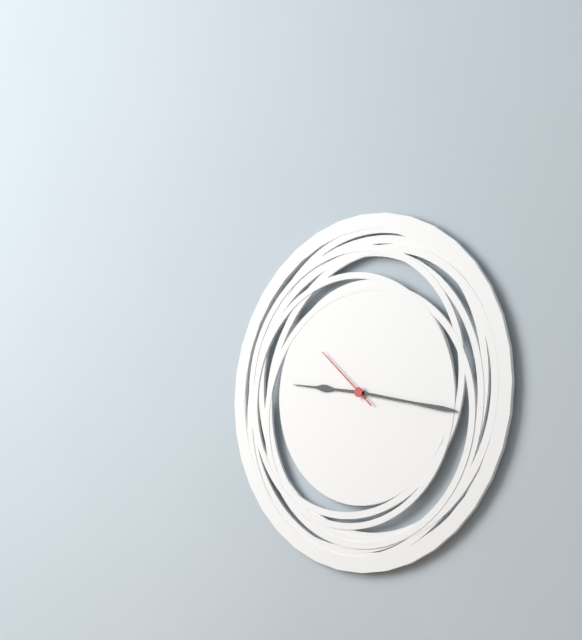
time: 9:17:52
